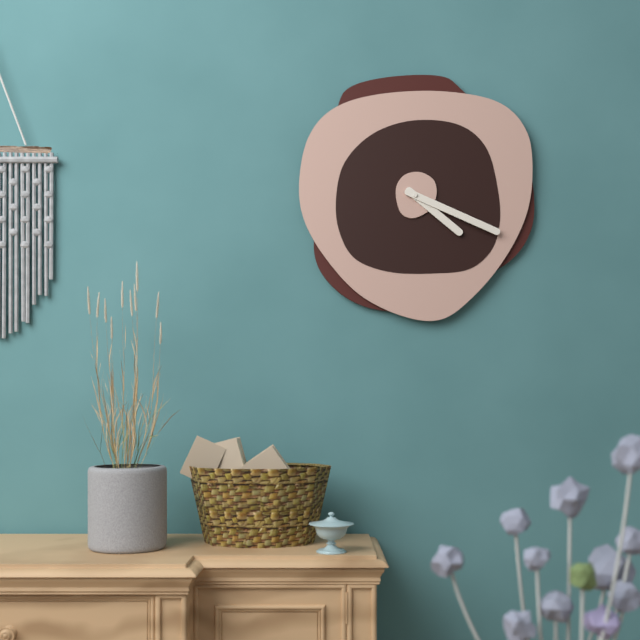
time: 4:19
